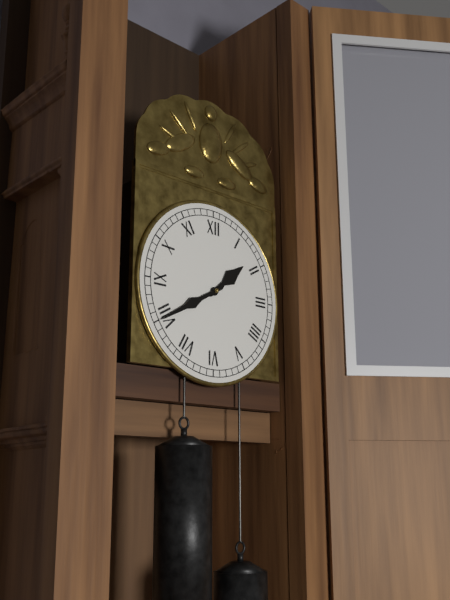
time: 1:40
